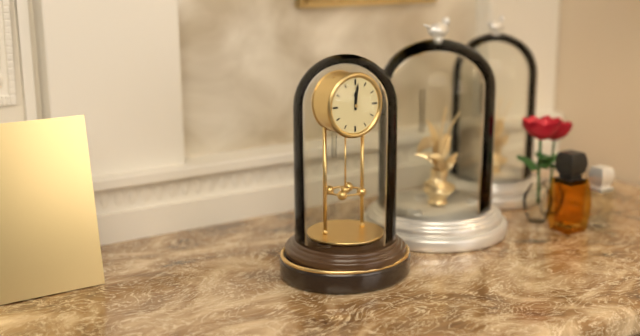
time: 12:01
